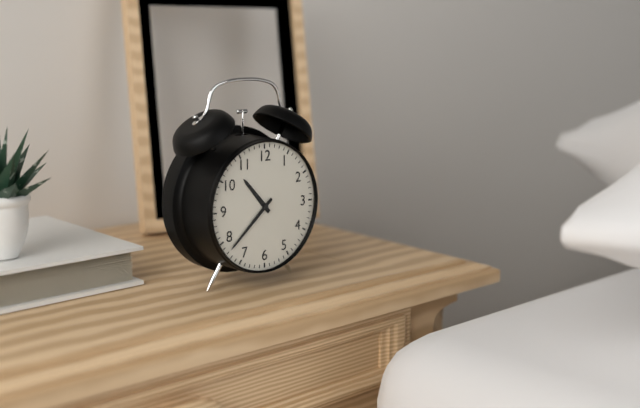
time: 10:38
